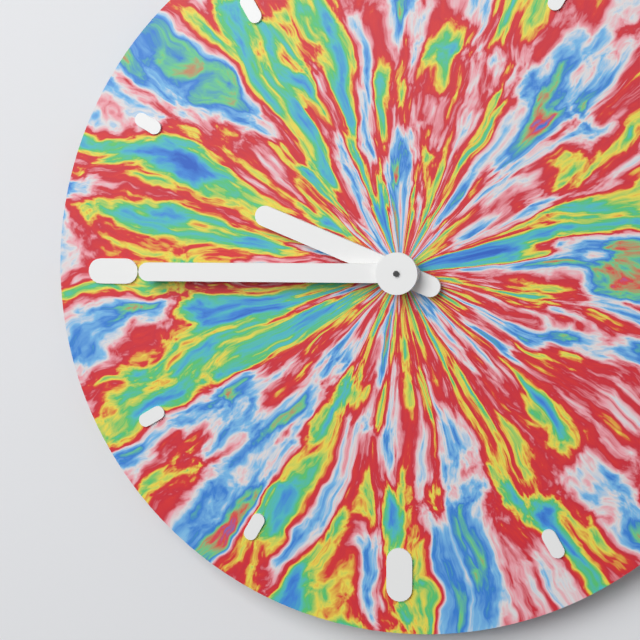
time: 9:45
